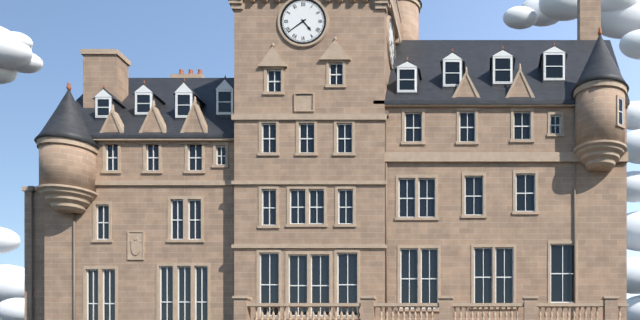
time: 4:39
